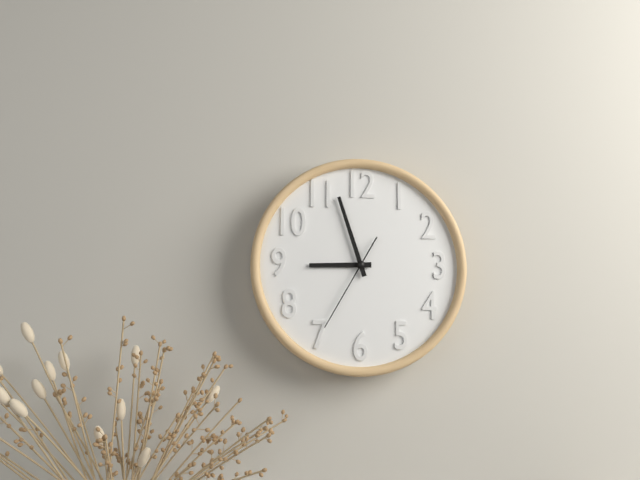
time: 8:57:35
